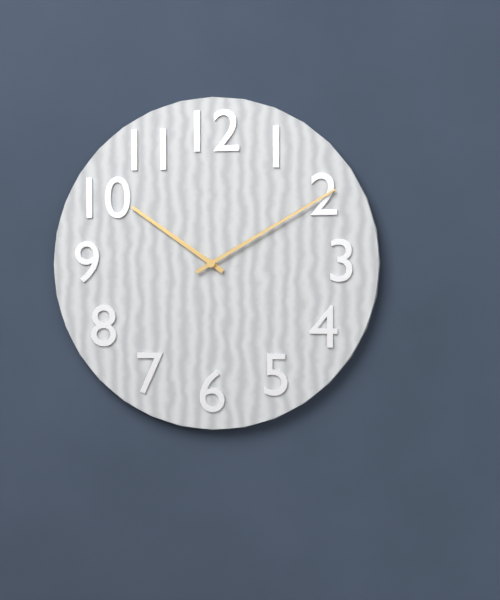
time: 10:10
